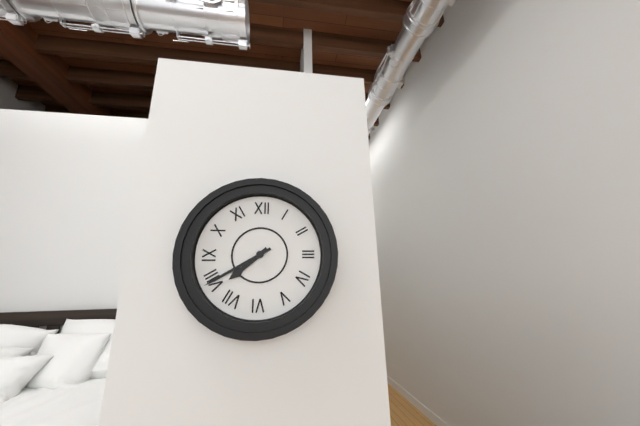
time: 7:40
